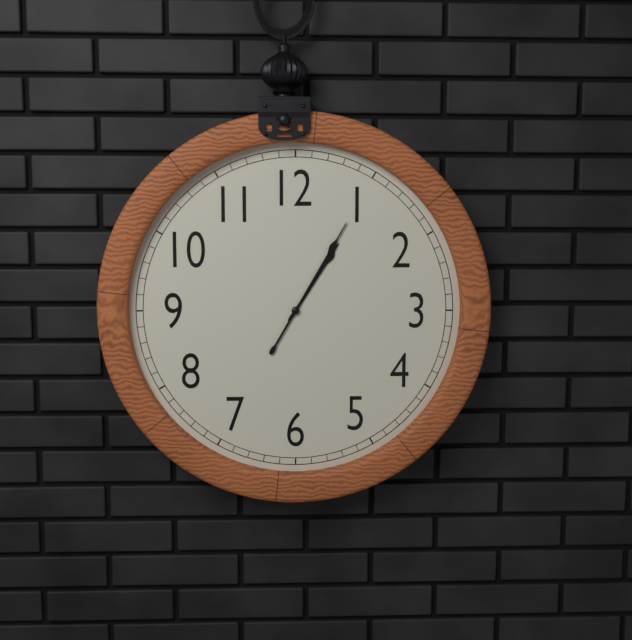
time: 1:05
